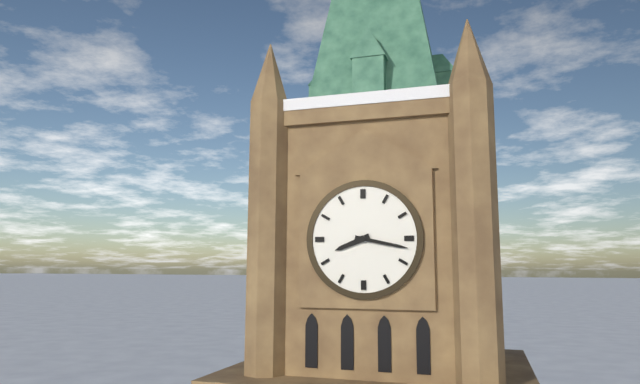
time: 8:17
